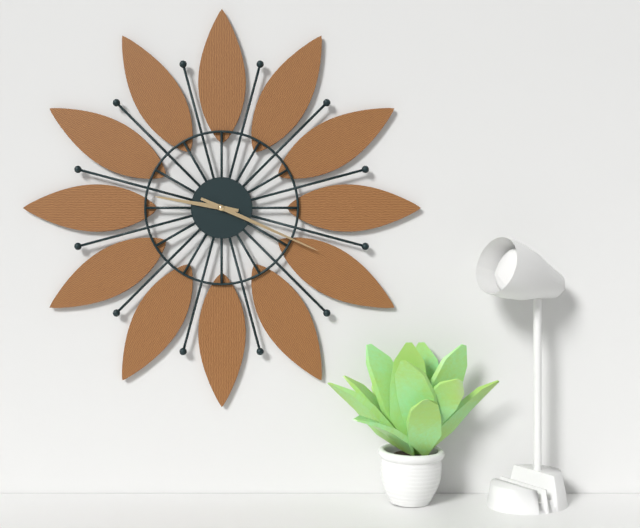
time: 9:19
